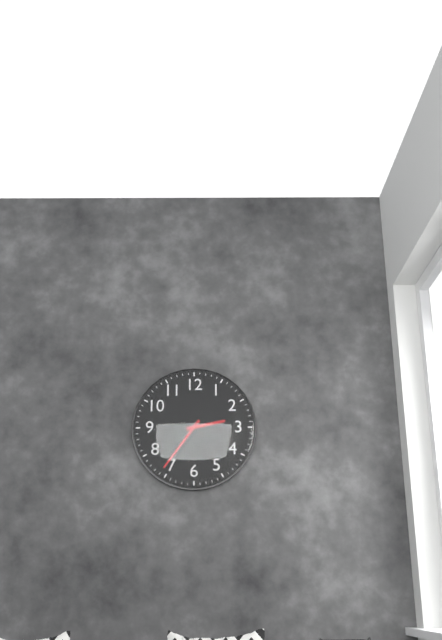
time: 2:36
